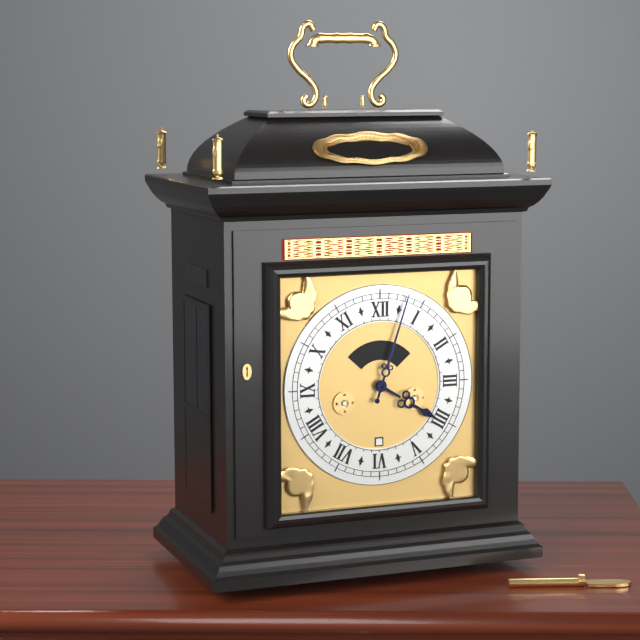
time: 4:03
